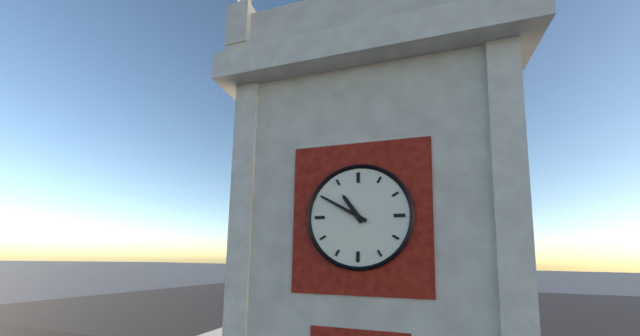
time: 10:50
